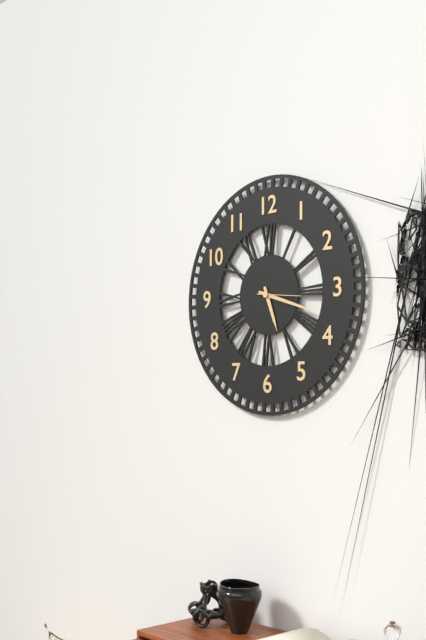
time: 5:18
